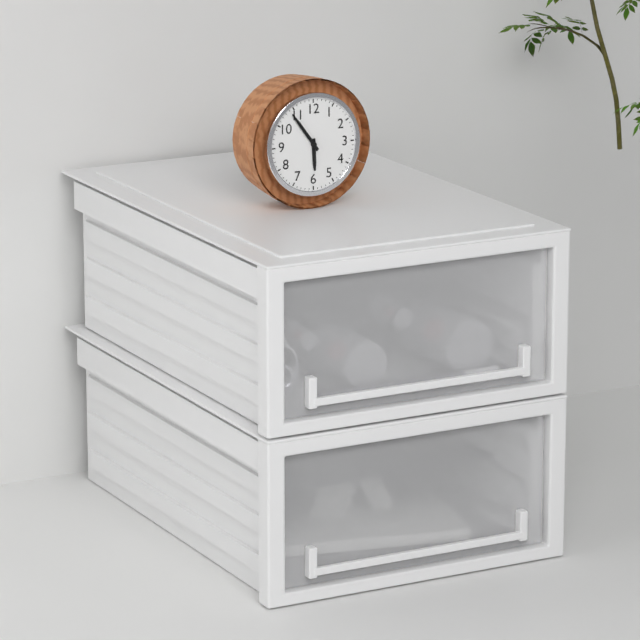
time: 5:54
